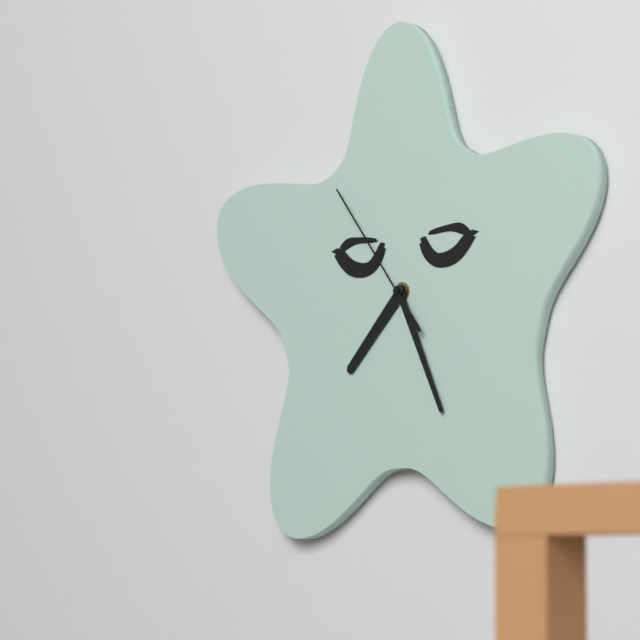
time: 7:26:54
